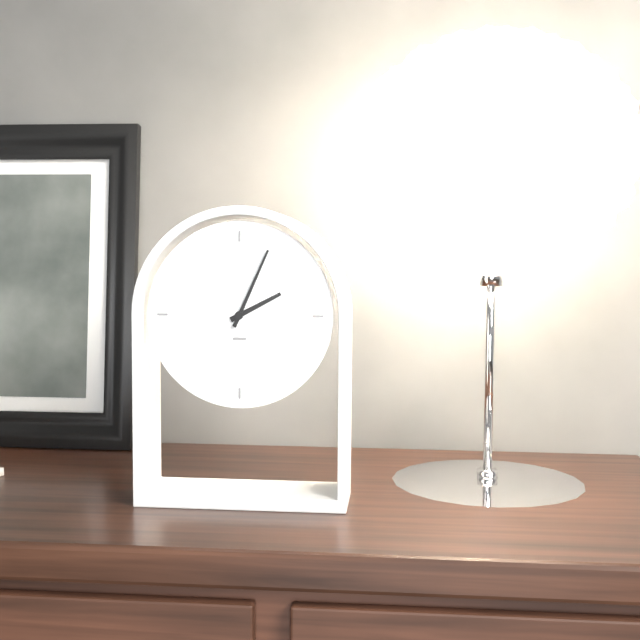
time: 2:04
